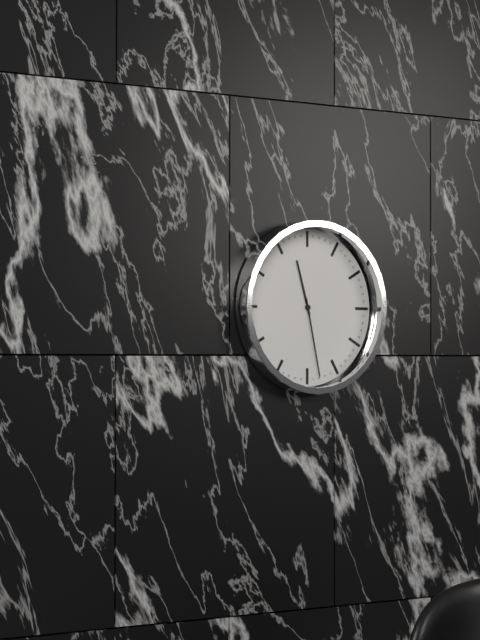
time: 11:28
